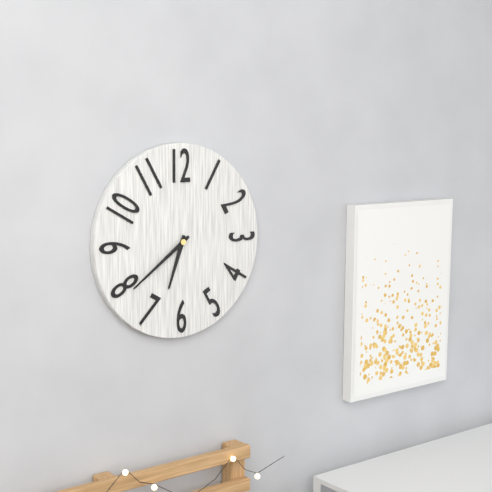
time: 6:39
